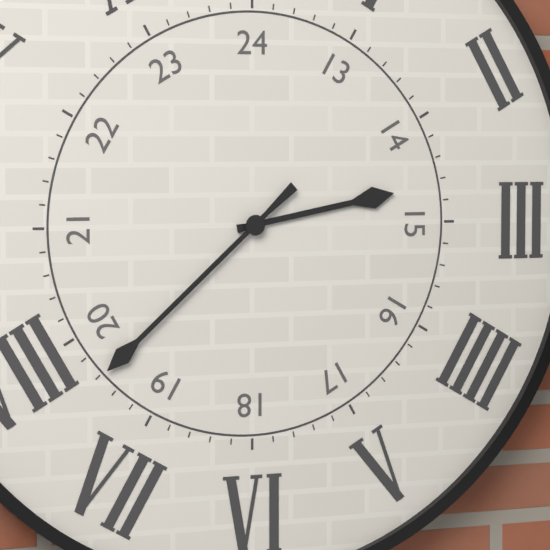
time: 2:38
